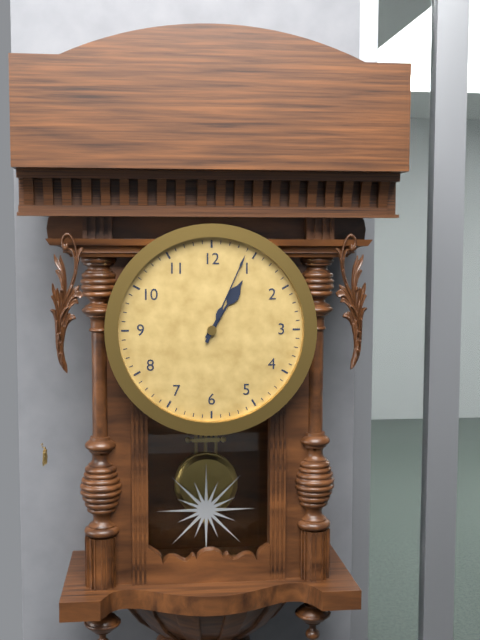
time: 1:04
